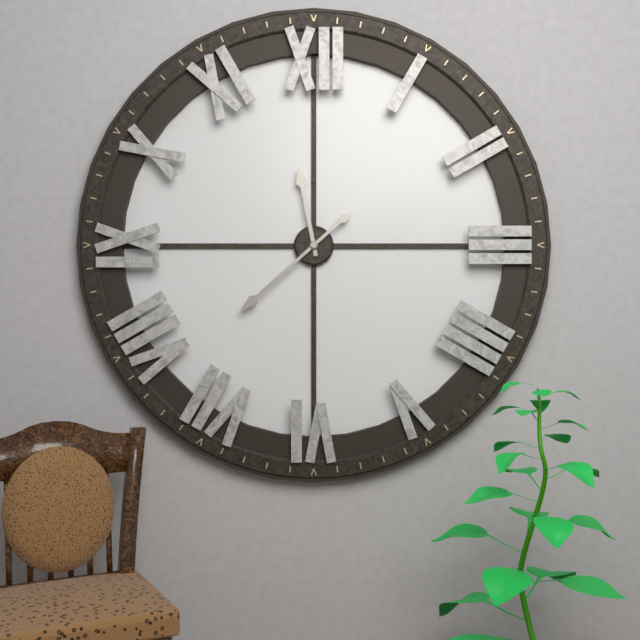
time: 11:38
